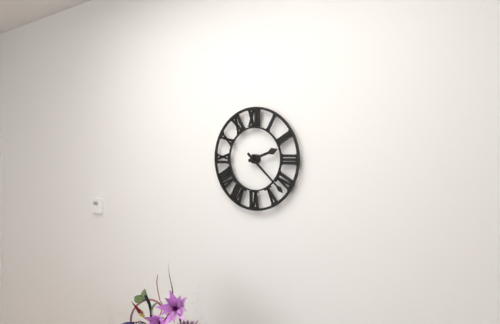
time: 2:22
